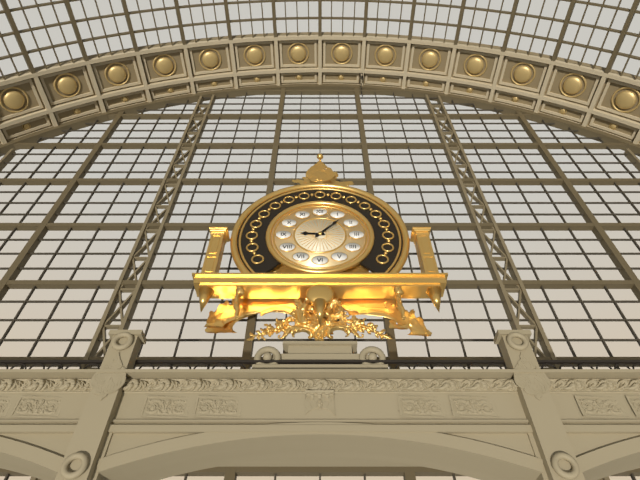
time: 9:07
